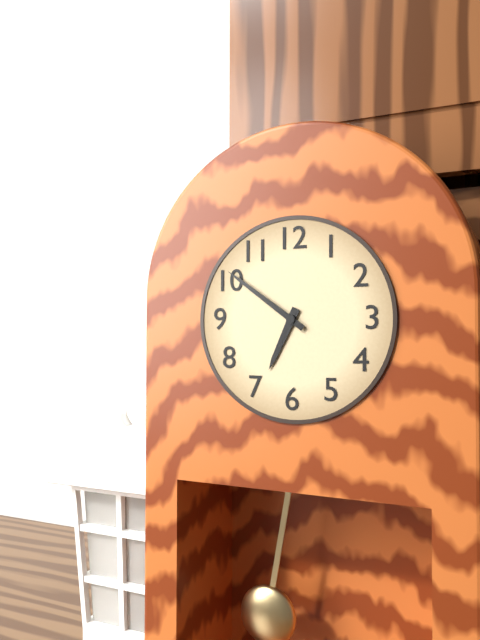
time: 6:51
